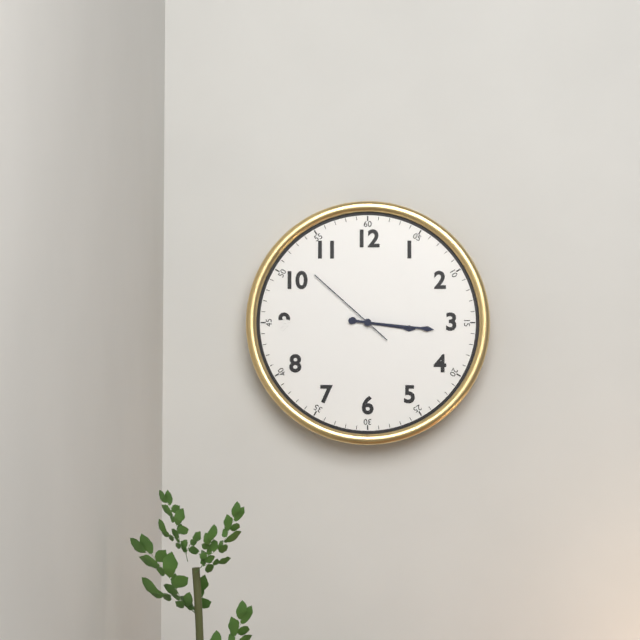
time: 3:16:52
